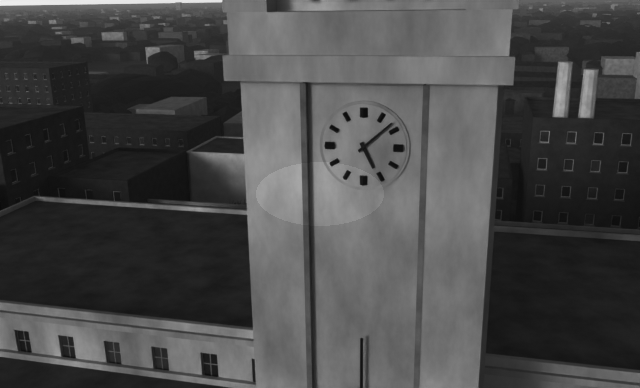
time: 5:08
